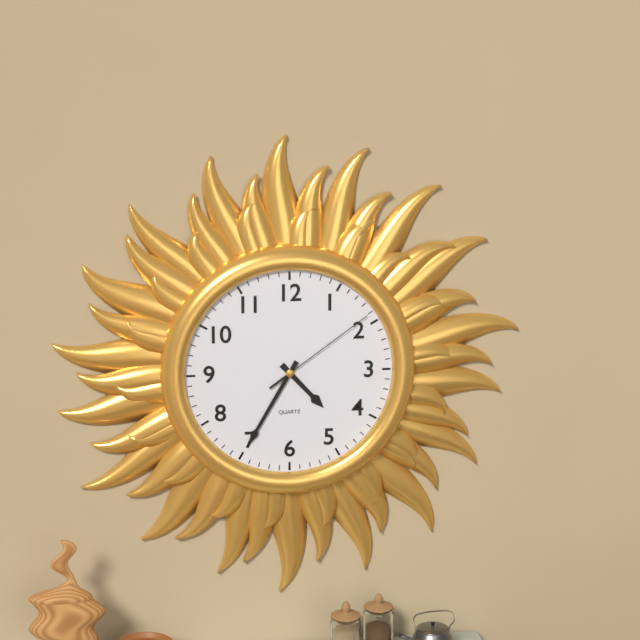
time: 4:35:09
